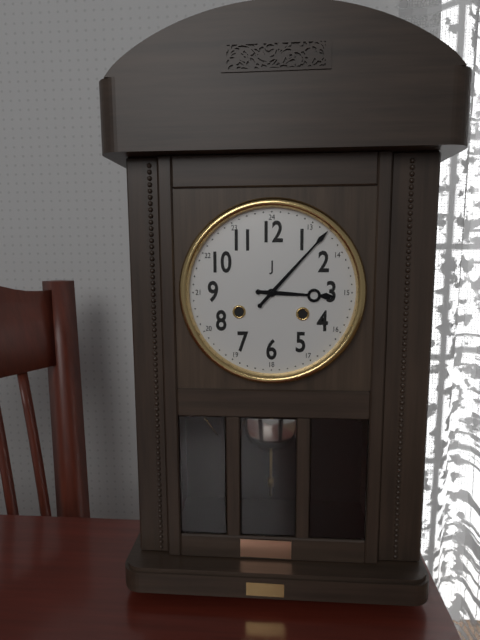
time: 3:07
